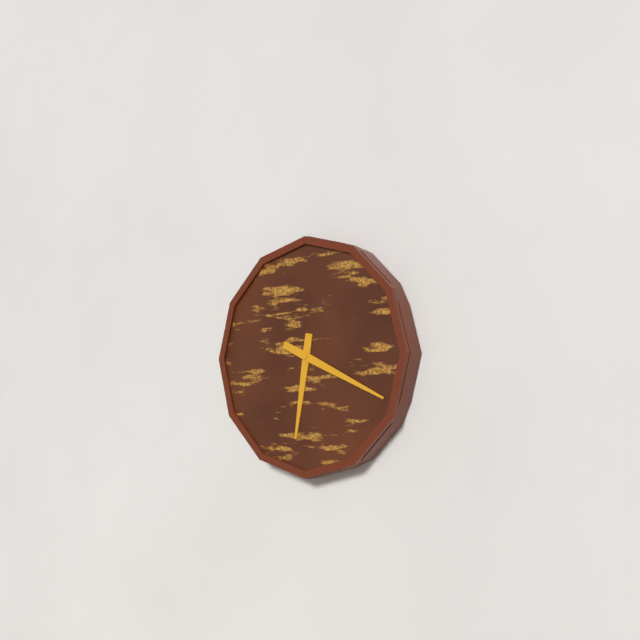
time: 6:19
